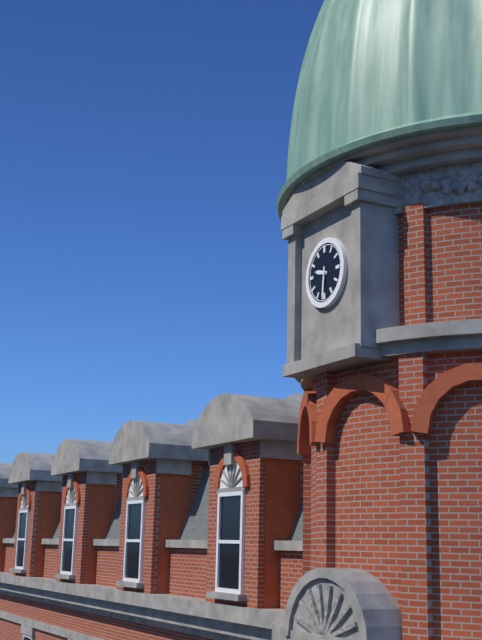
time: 9:31
